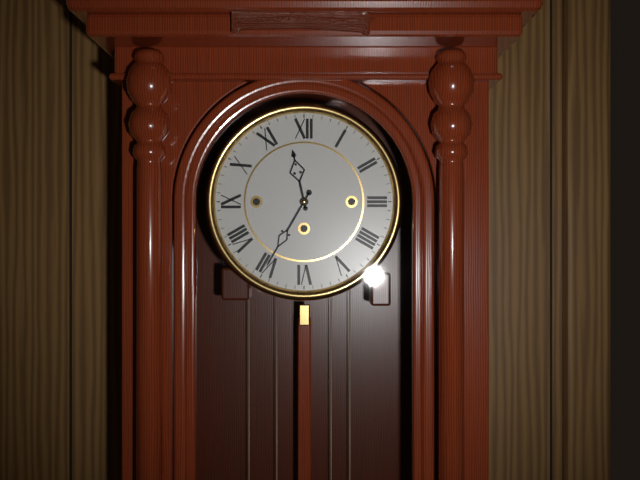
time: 11:35
